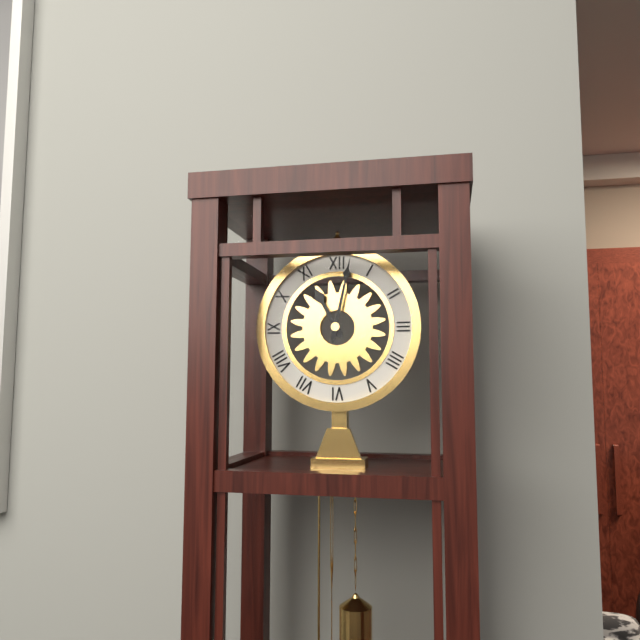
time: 11:02
